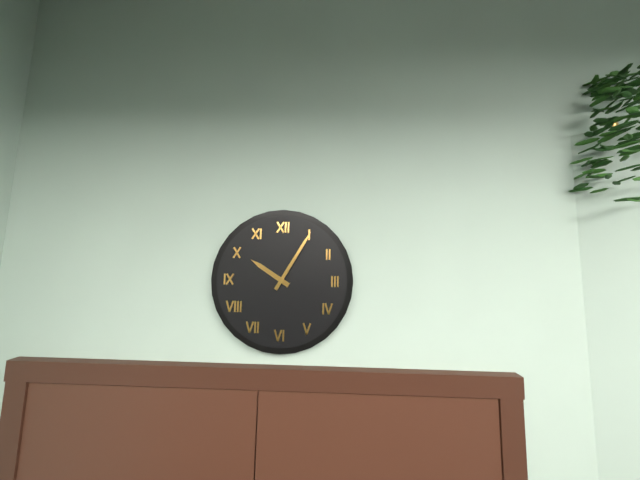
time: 10:05
